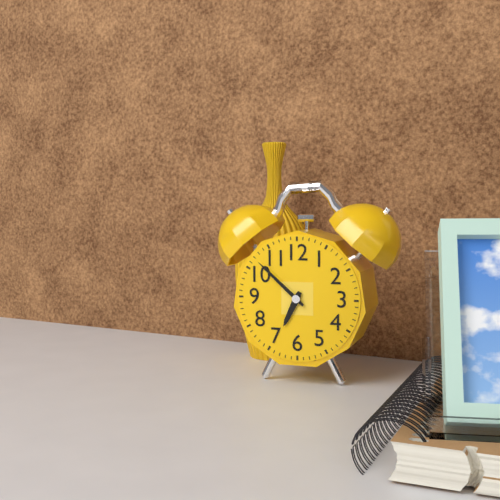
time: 6:52
